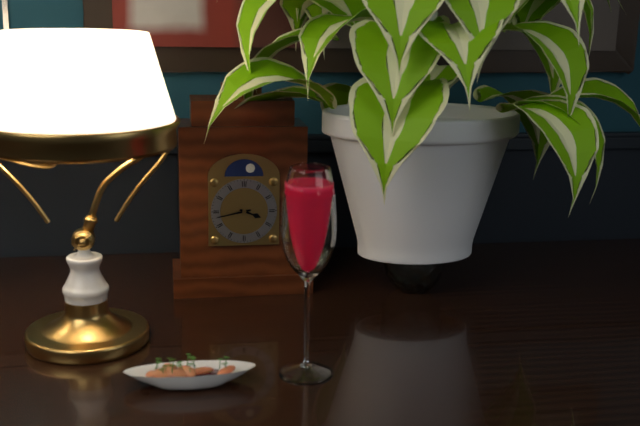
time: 3:43
